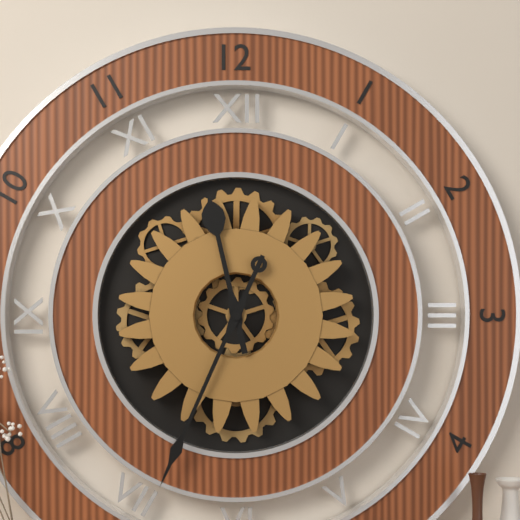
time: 11:34
